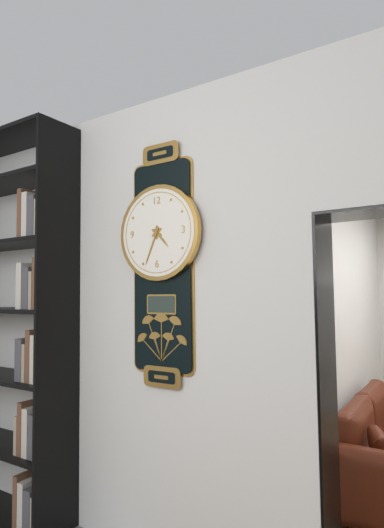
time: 4:34
